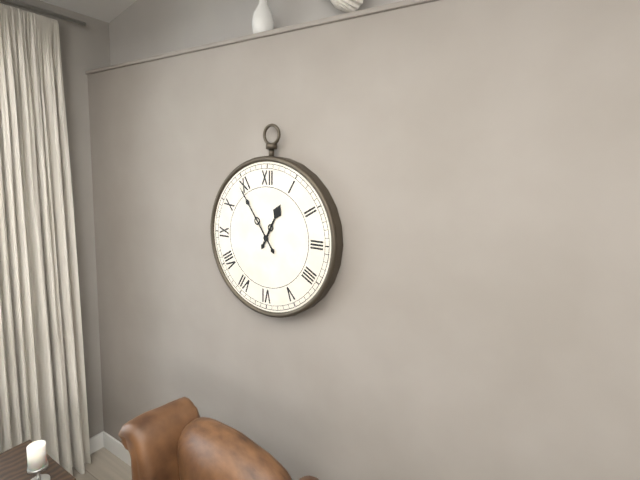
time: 12:54
